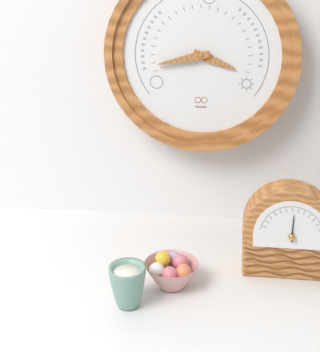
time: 3:43
